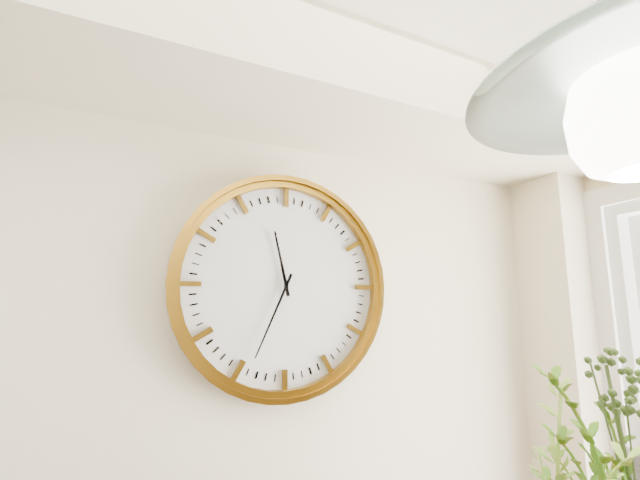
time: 11:34
